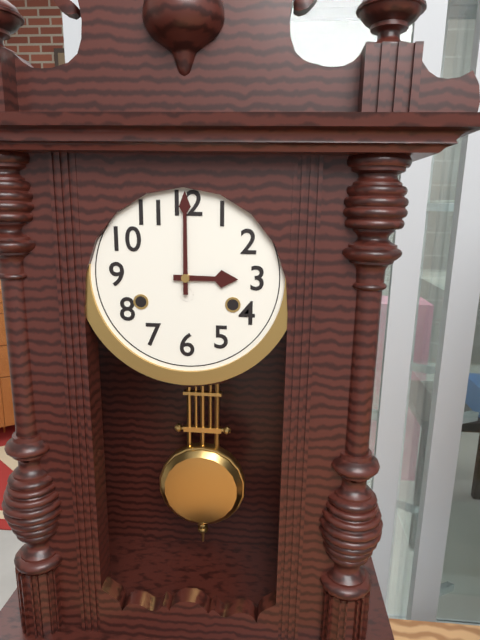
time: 3:00
